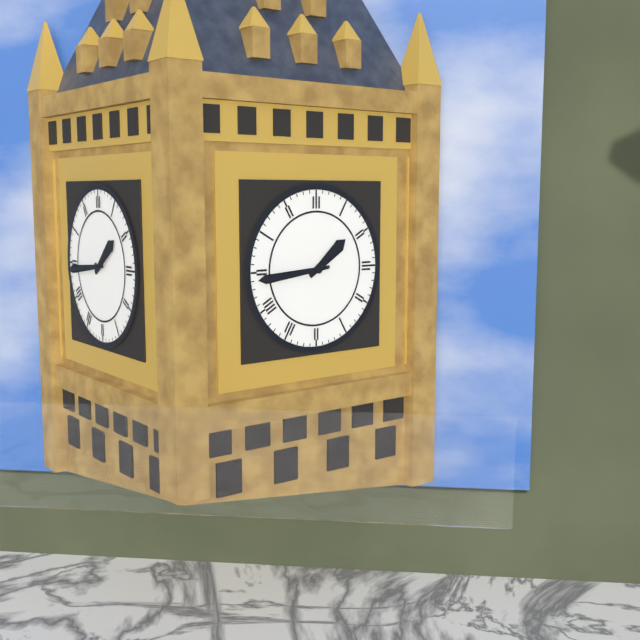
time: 1:44
